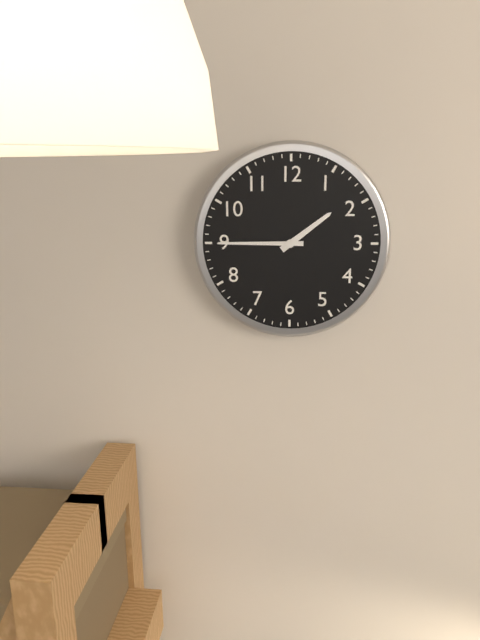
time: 1:45
